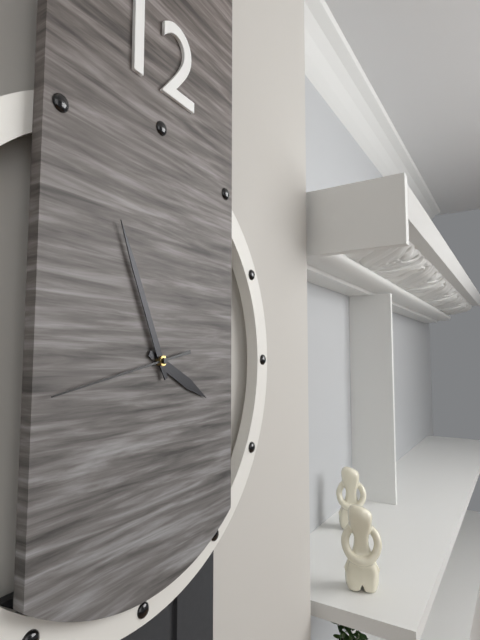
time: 3:56:43
